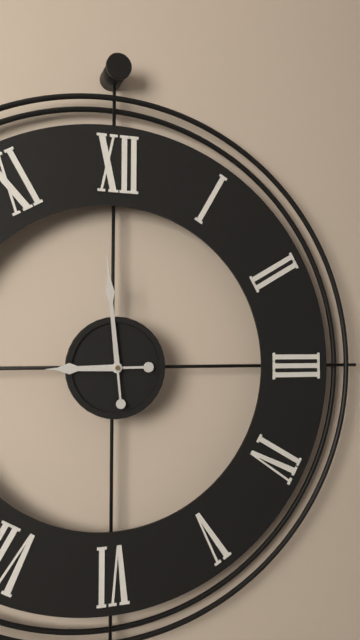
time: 8:59
